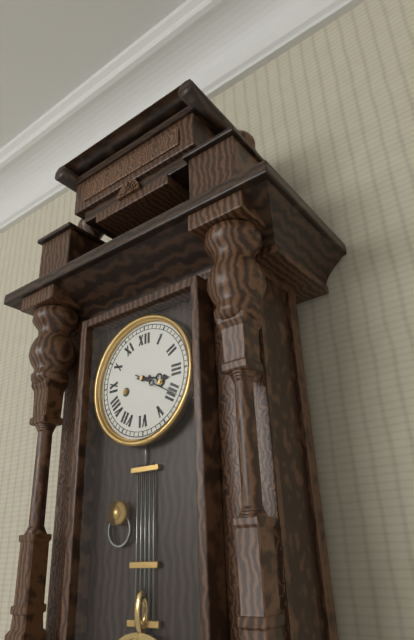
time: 3:20
